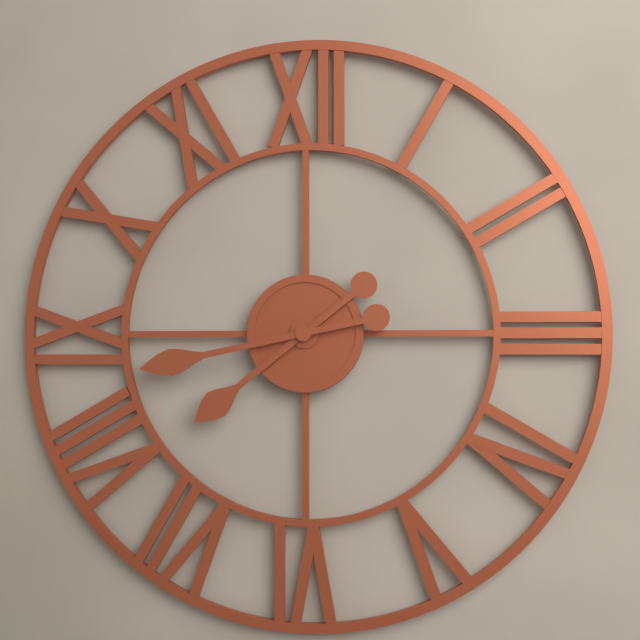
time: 7:43
